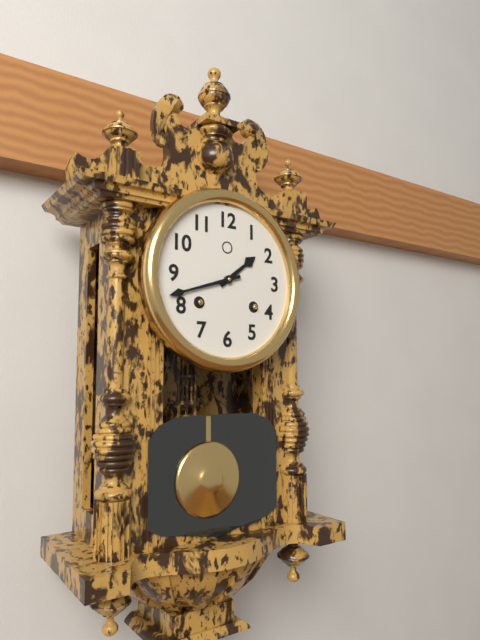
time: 1:42
